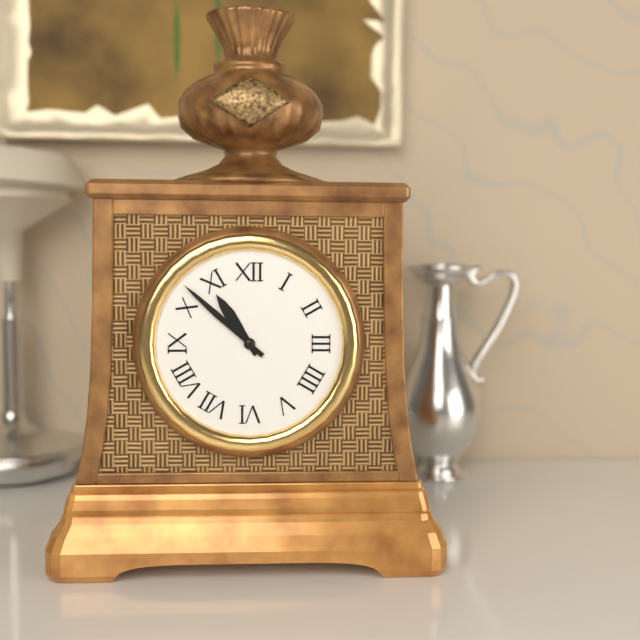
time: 10:52
